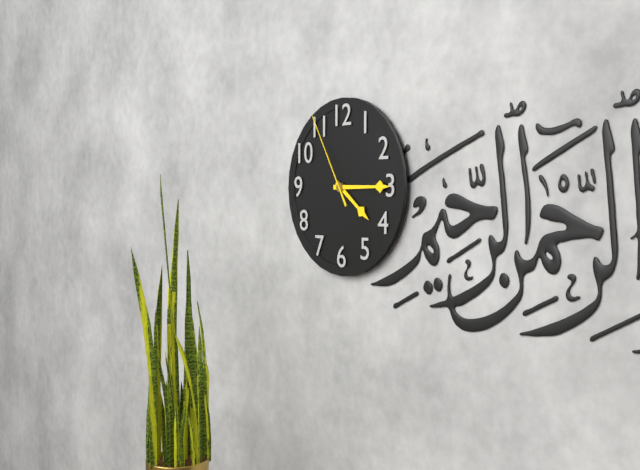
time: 4:15:55
